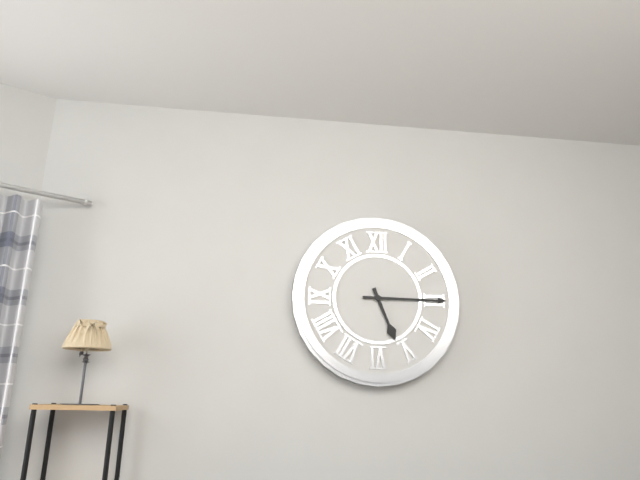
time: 5:15
